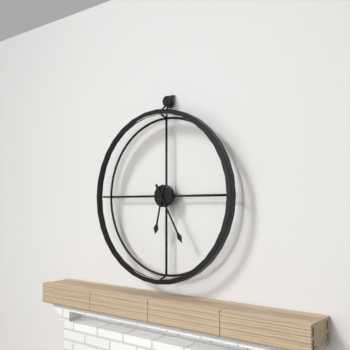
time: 6:25
